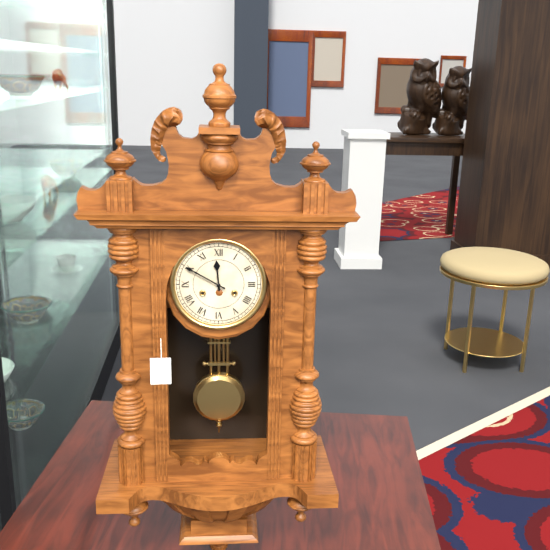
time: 11:50
